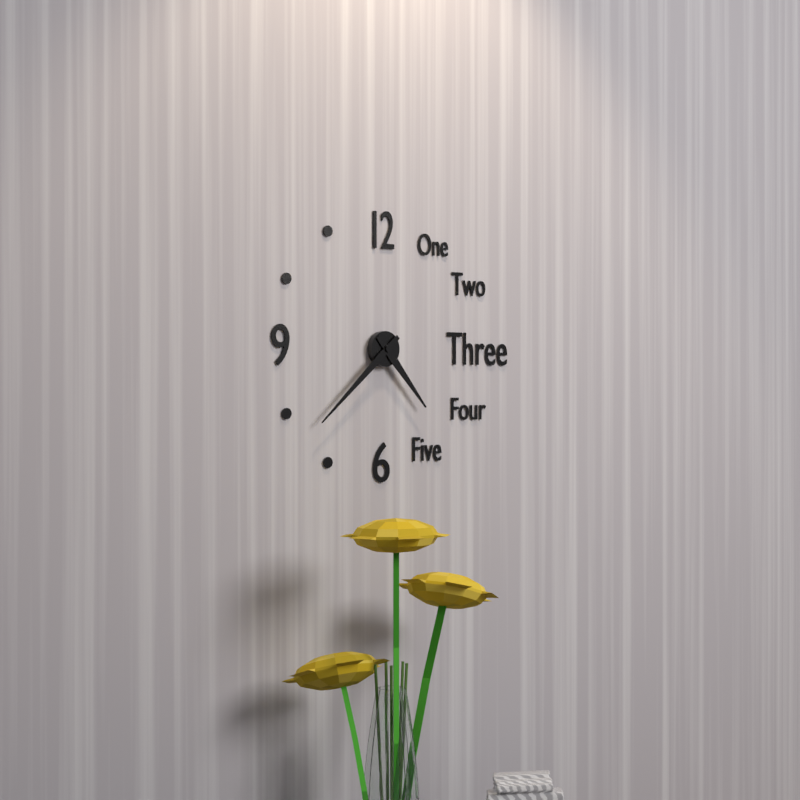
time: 4:38
